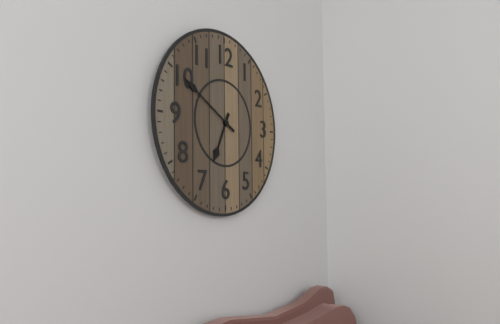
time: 6:50
